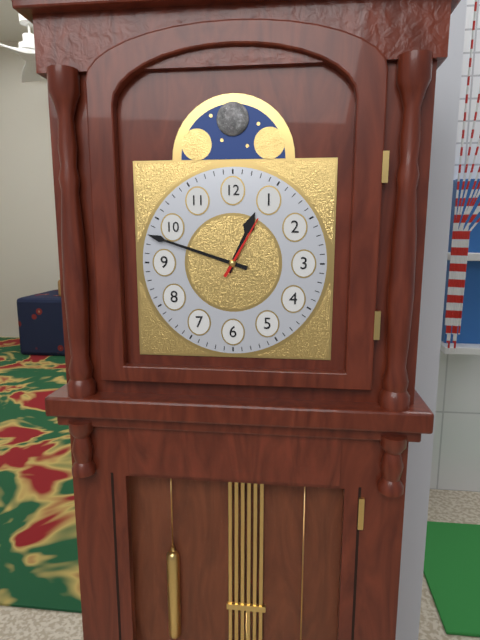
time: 12:48:05
